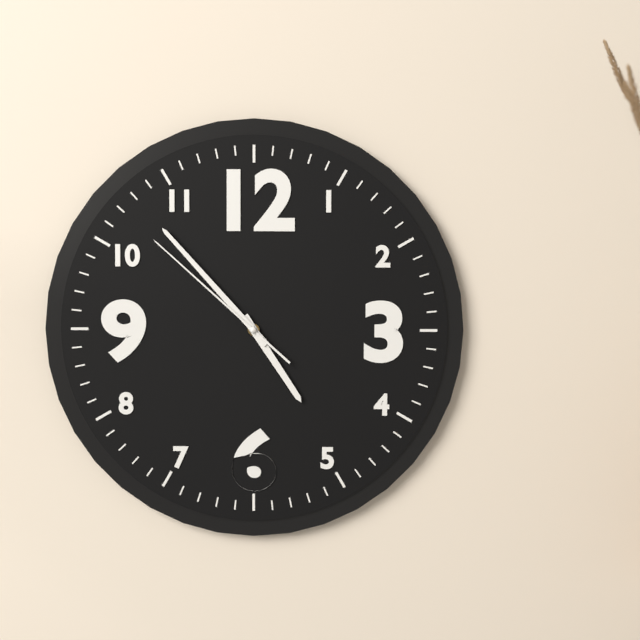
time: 4:53:52
